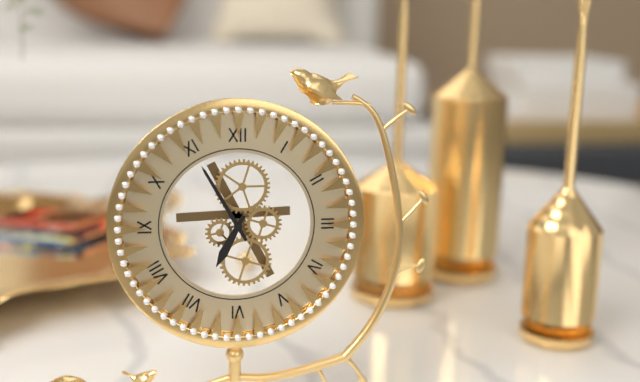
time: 6:55
